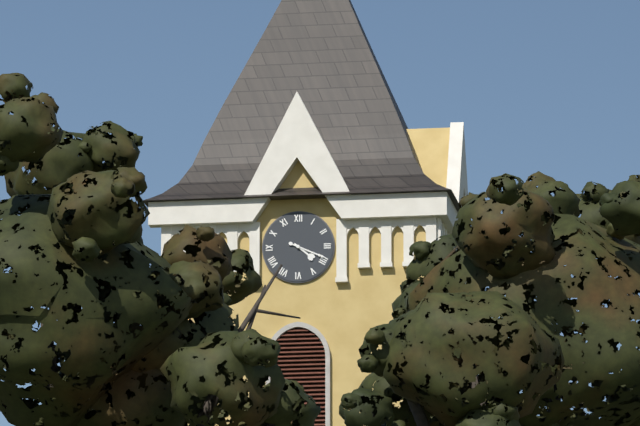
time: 4:19
